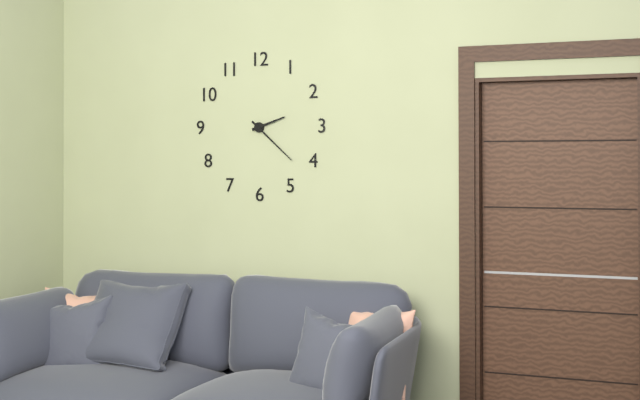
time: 2:22
